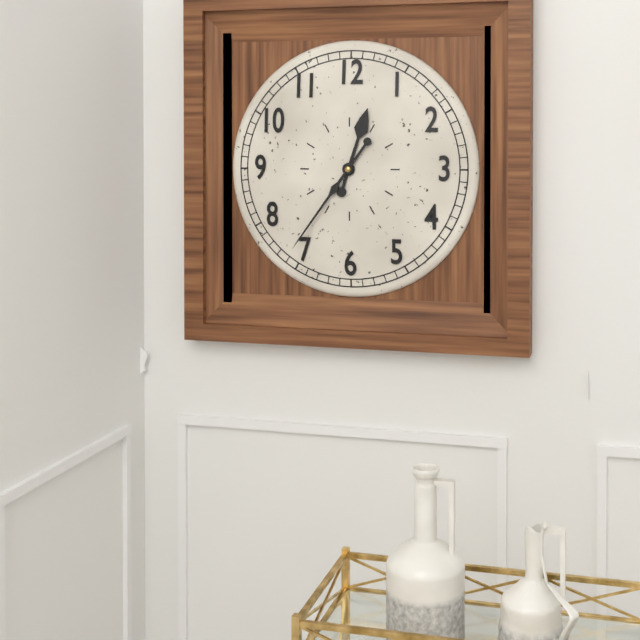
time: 12:36
